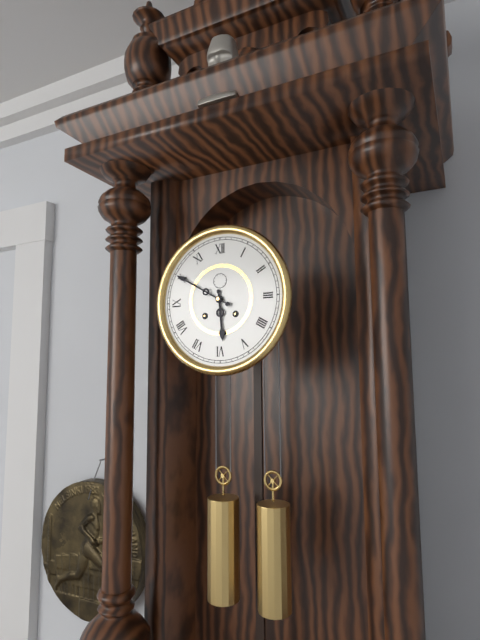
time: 5:50
